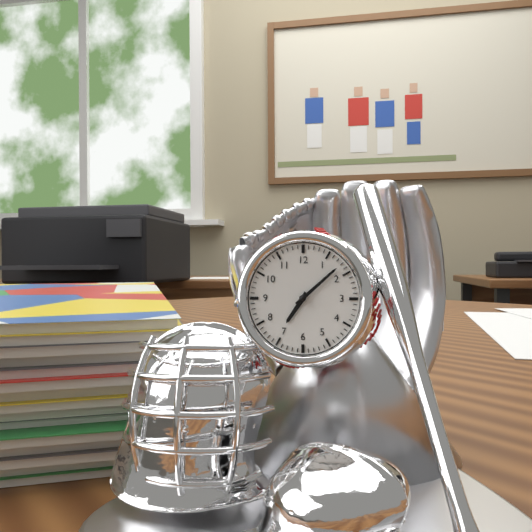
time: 7:08
